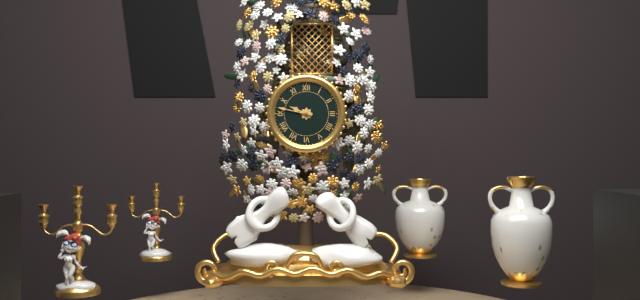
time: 9:47
